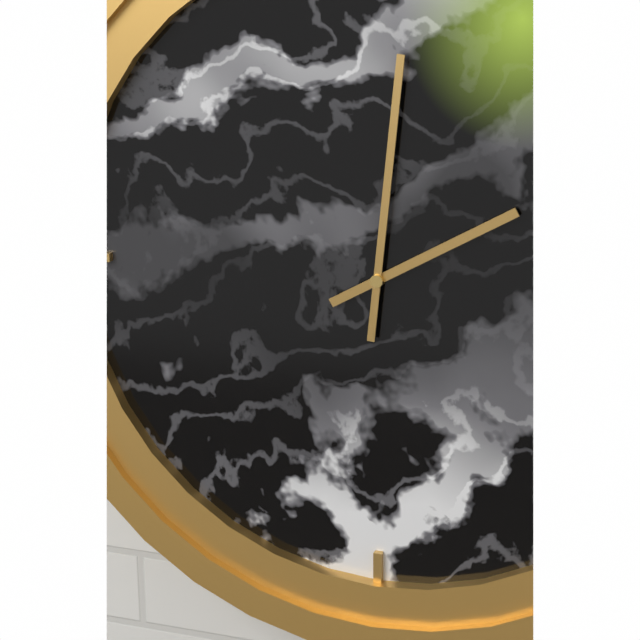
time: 2:01
